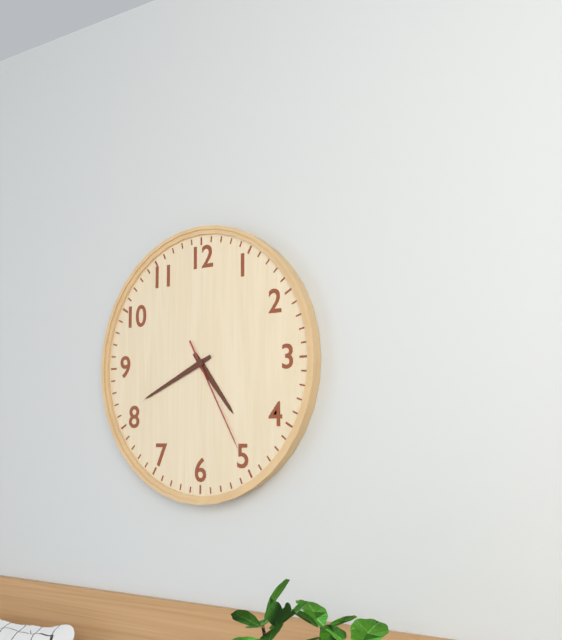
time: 4:41:25
